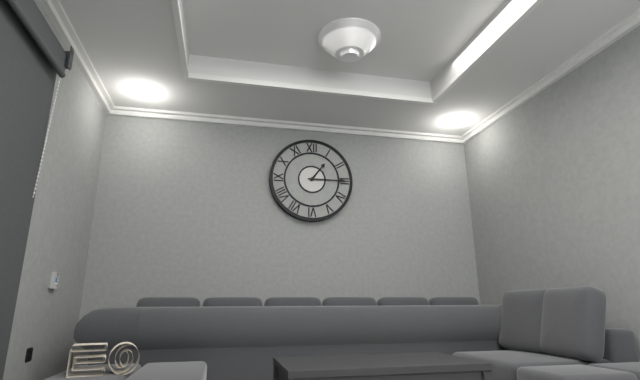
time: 1:15
